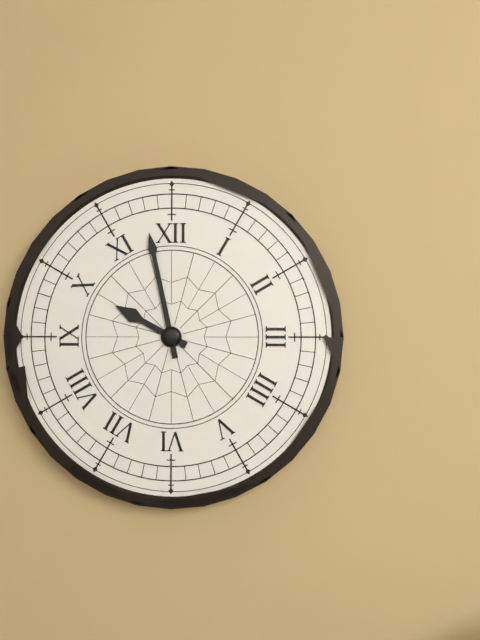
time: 9:58
